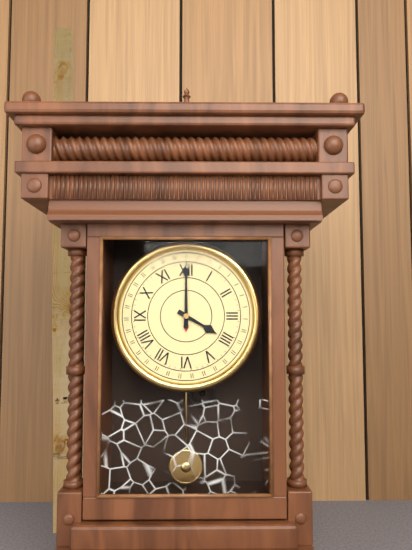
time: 4:00
